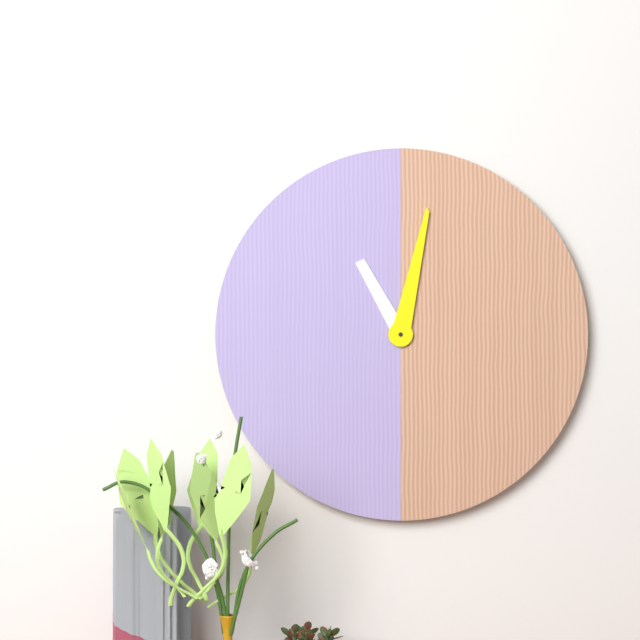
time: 11:02
